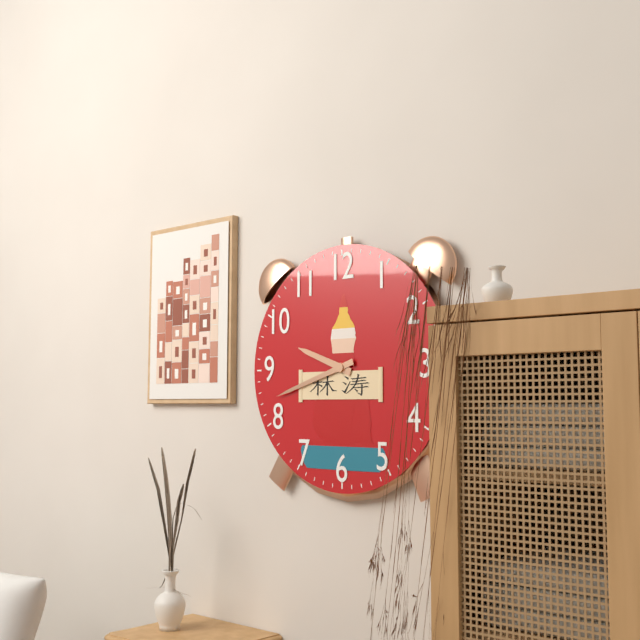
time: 9:42
